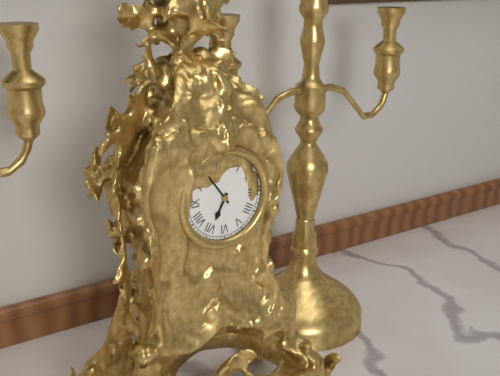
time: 6:54
